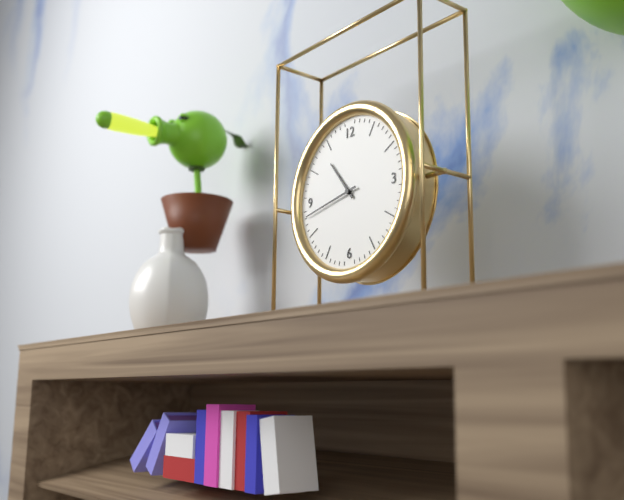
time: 10:43
